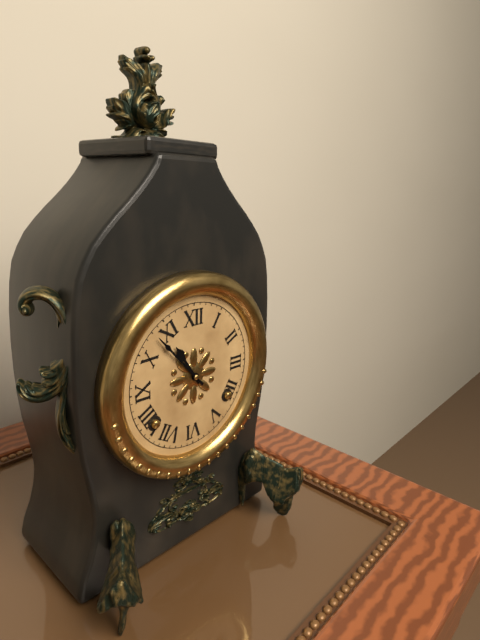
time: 10:53
